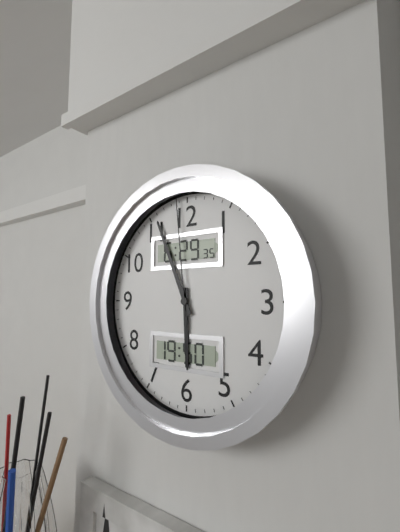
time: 5:56:59
